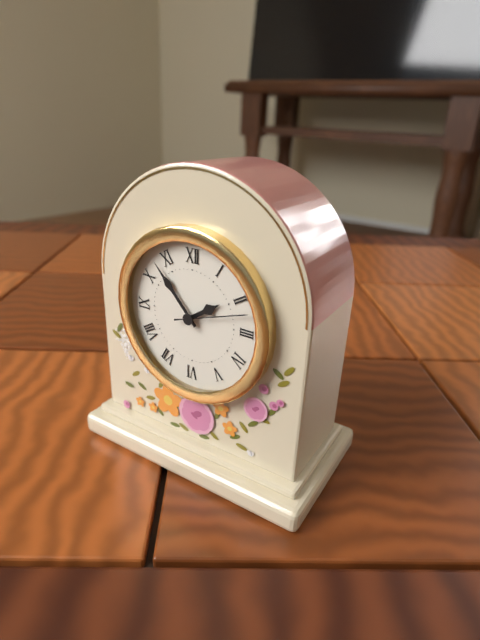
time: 1:53:12
